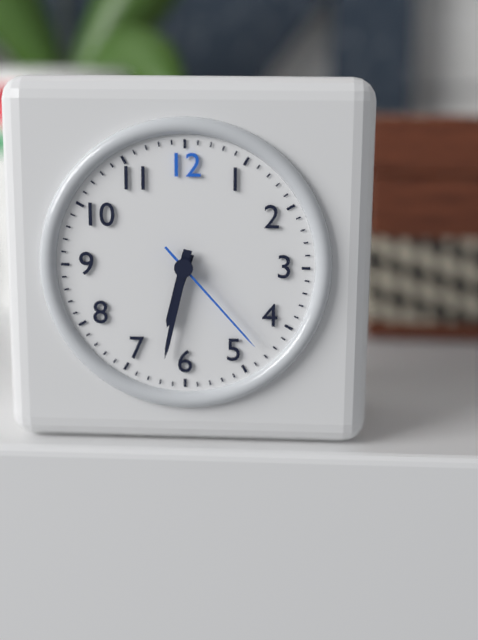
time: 6:32:23
